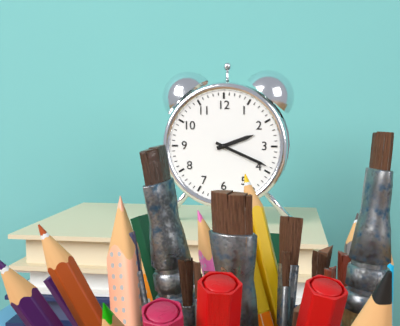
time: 2:19
